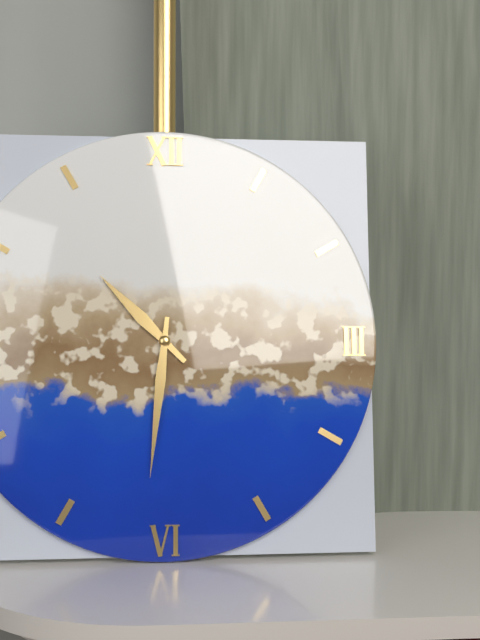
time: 10:31
